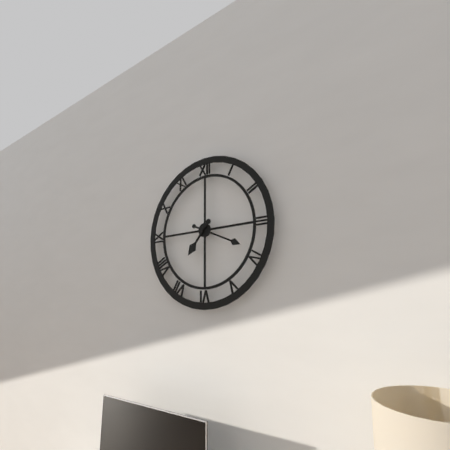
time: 7:19
